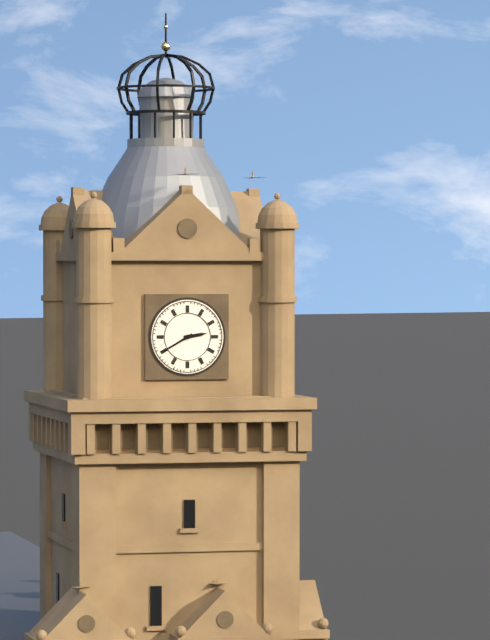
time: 2:40
